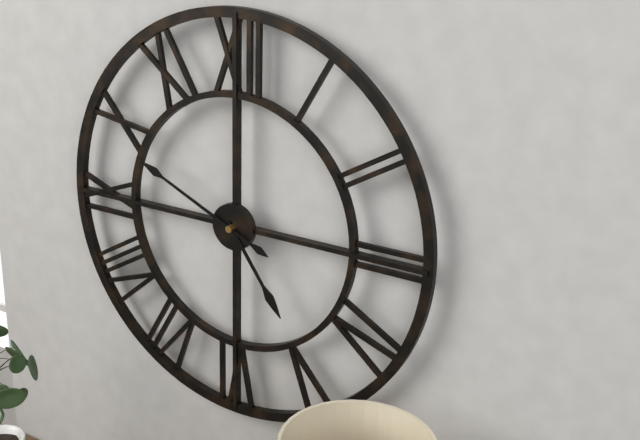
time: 4:49
